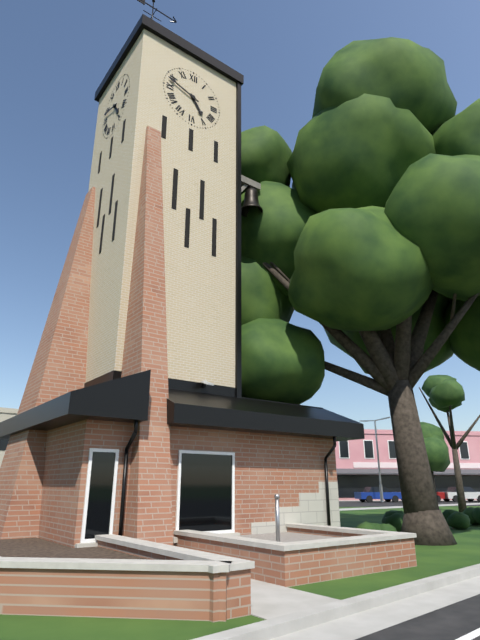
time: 4:48
